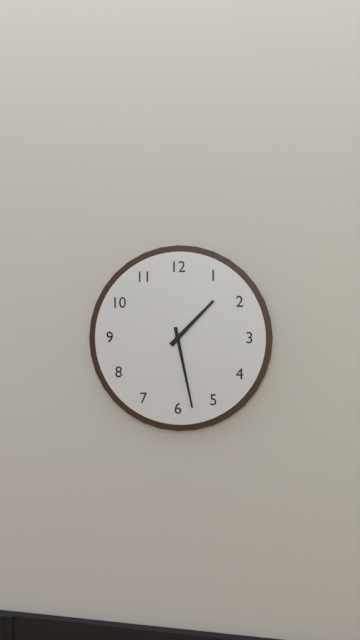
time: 1:28
